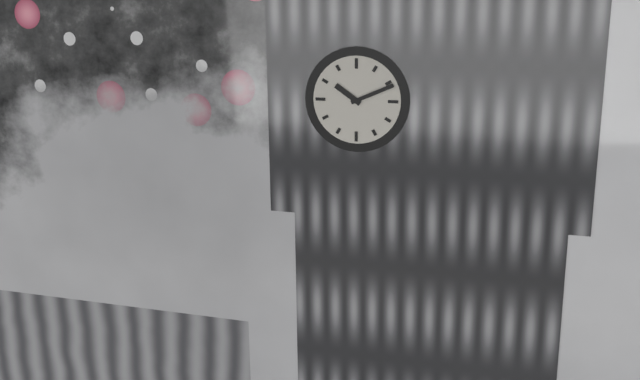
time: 10:11
